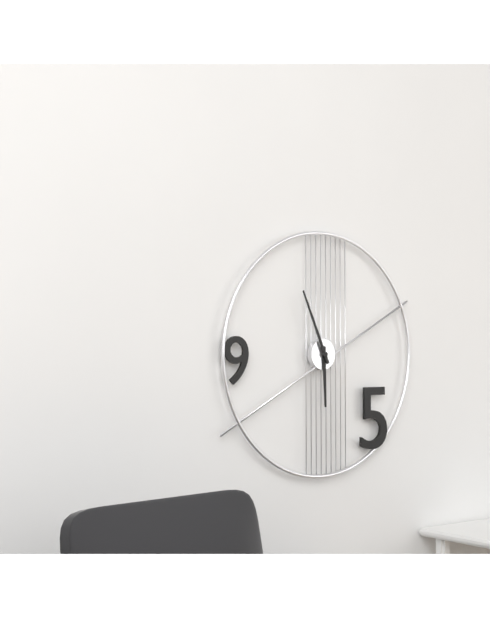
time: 5:56
